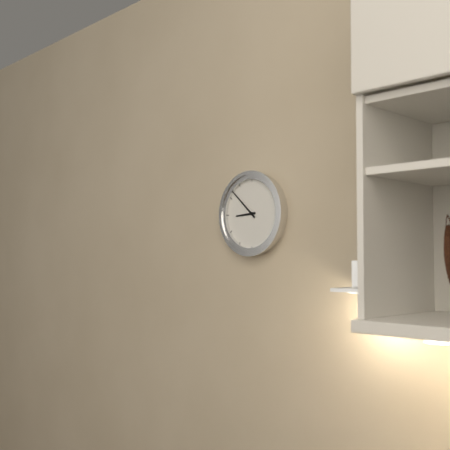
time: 8:52
